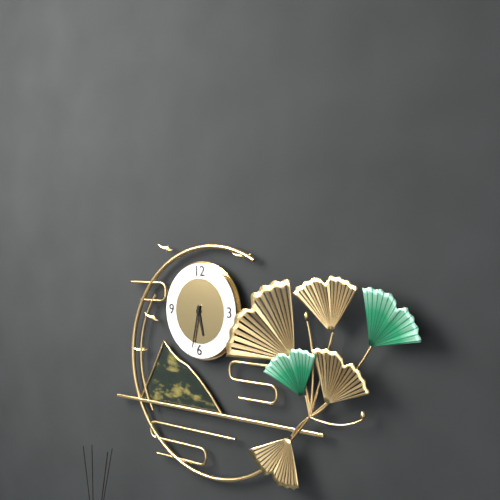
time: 5:32
